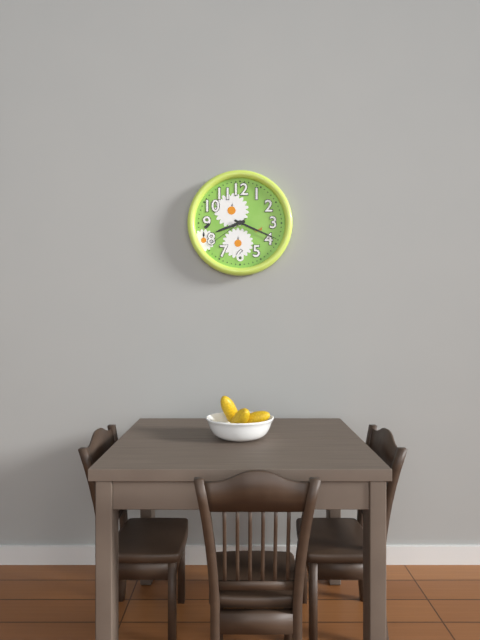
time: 8:19:39
